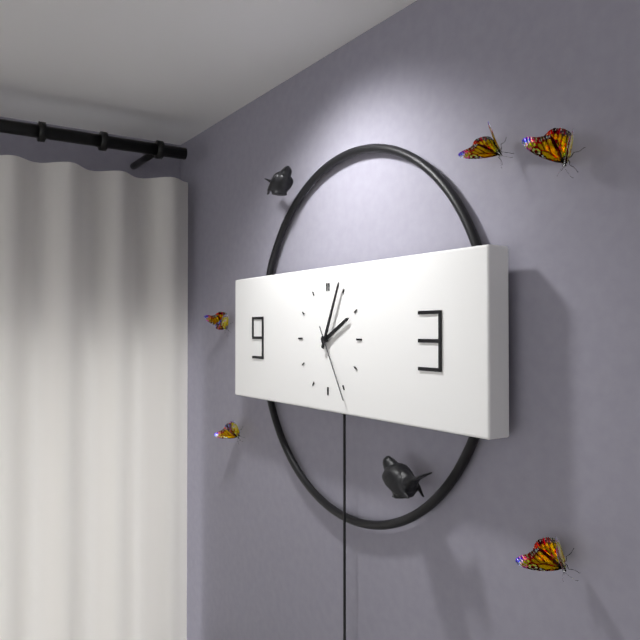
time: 2:04:25
